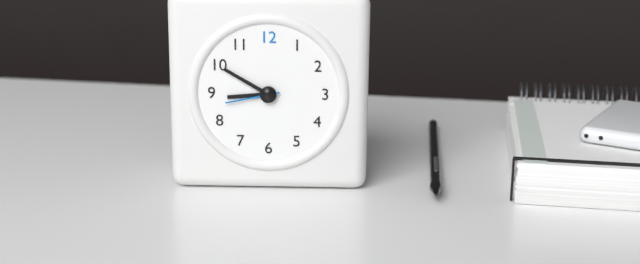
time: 8:50:43
